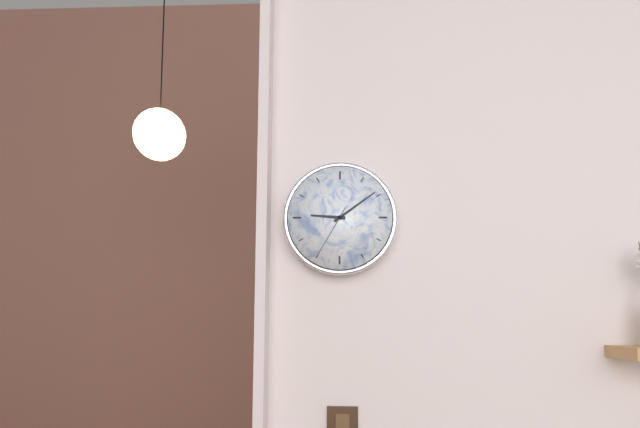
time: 9:09:35
